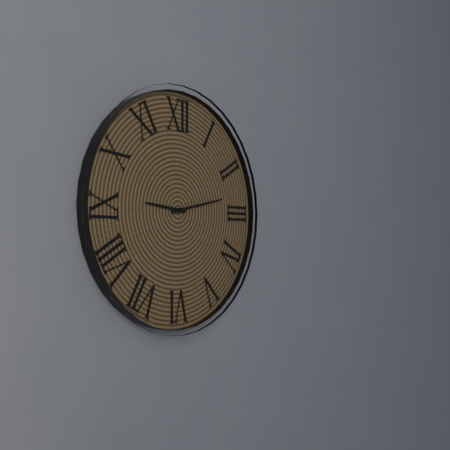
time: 9:13
